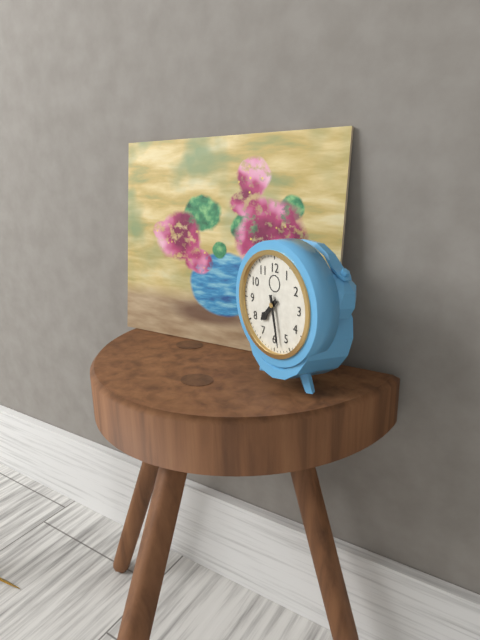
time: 7:28
